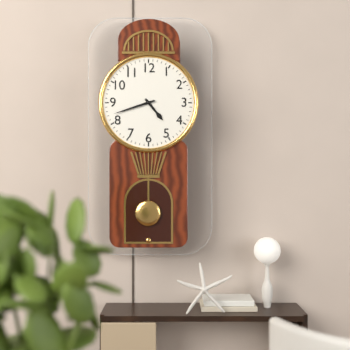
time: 4:42
